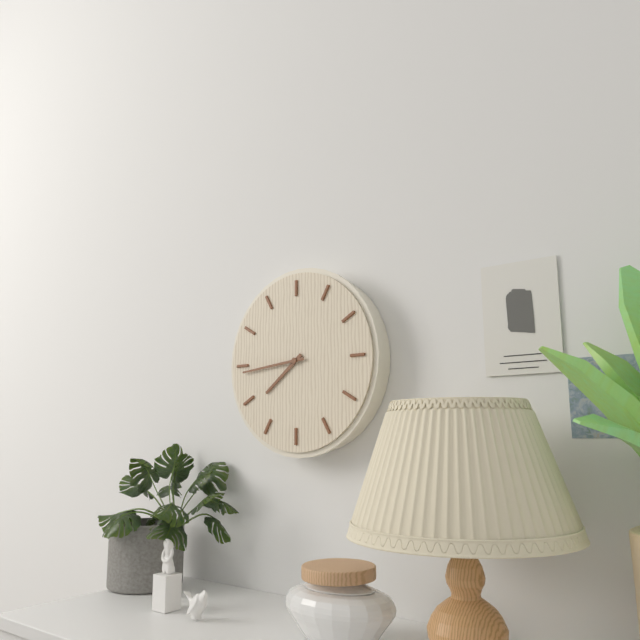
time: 7:44
